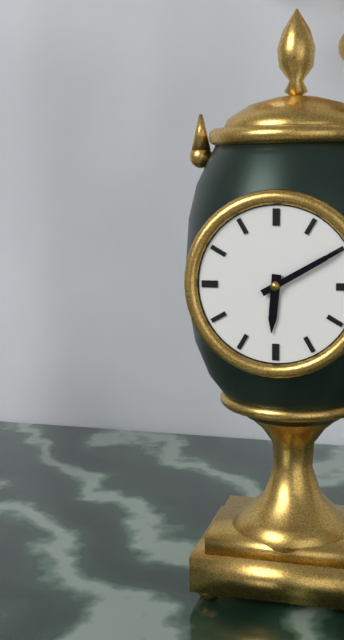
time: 6:10
